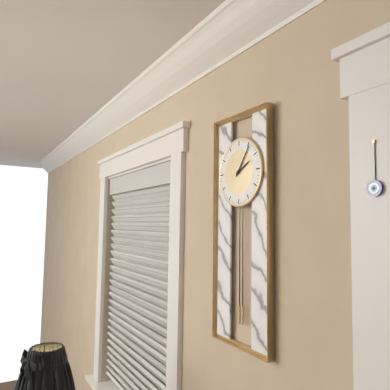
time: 2:06
